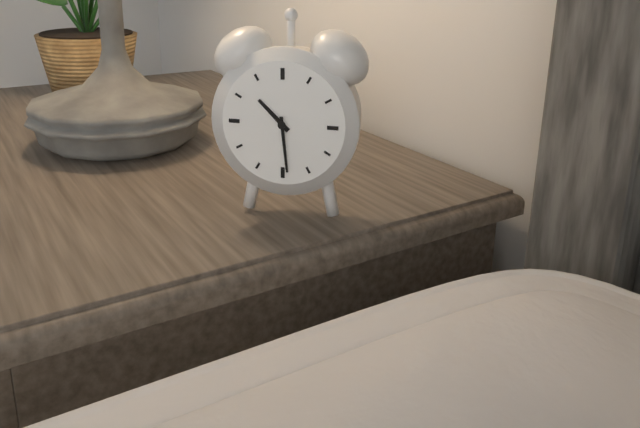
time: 10:29
